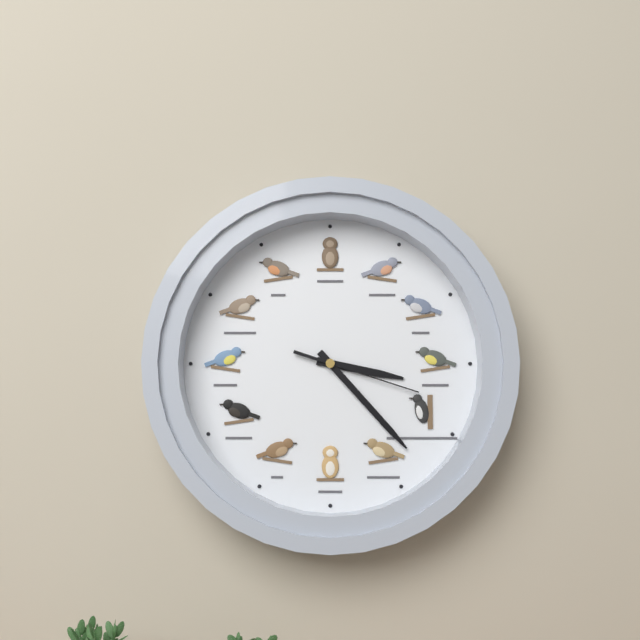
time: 3:23:18
